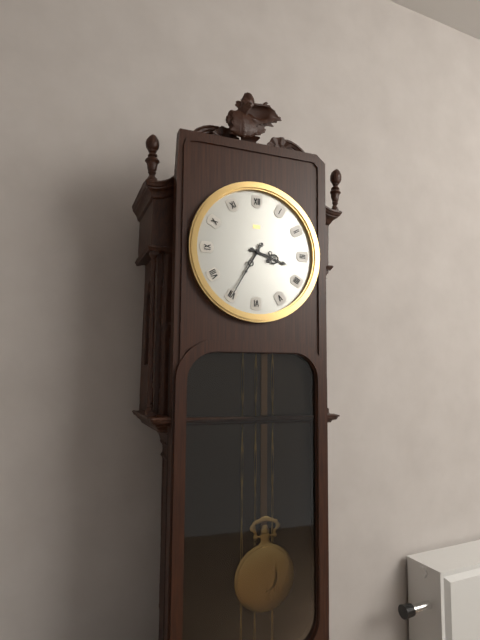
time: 3:35
